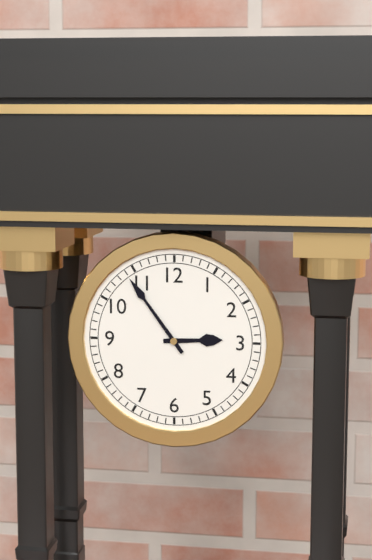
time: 2:54
